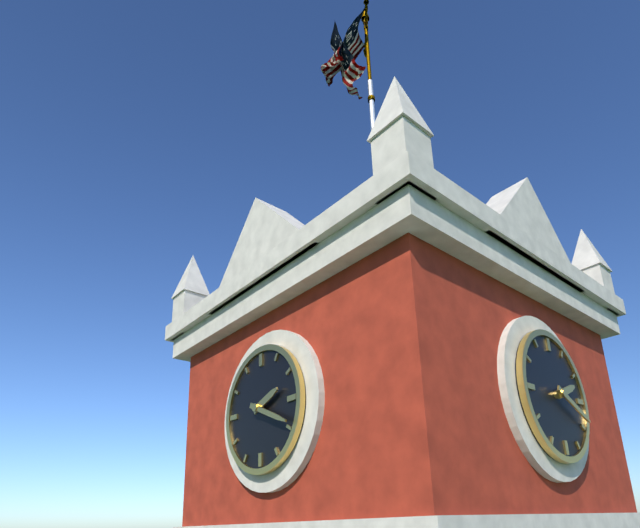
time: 2:19
